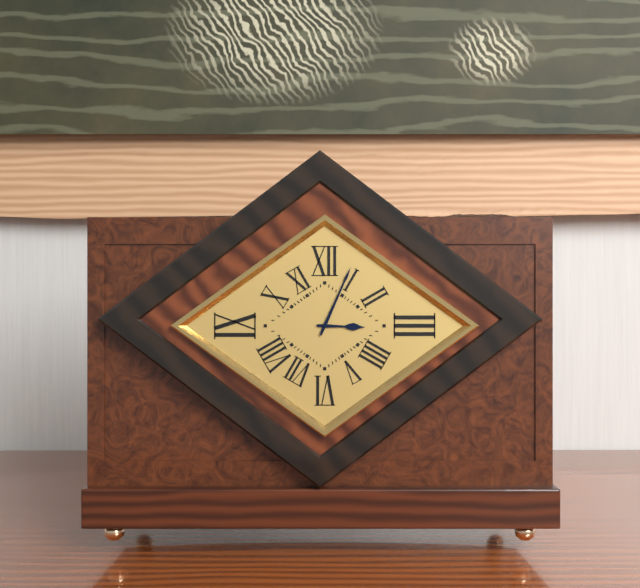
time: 3:04
